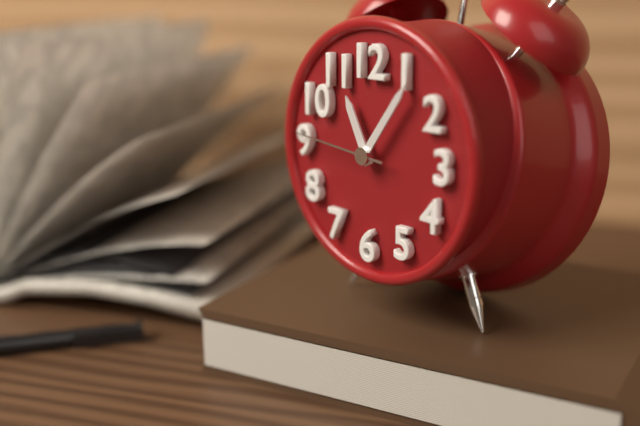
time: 11:06:46
